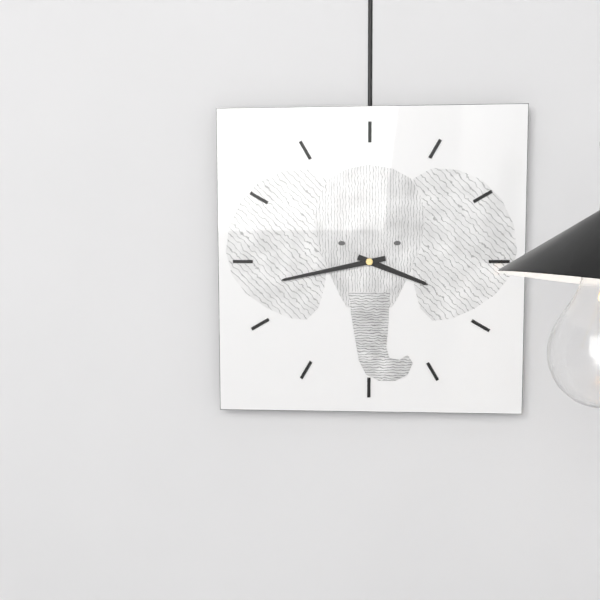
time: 3:43
